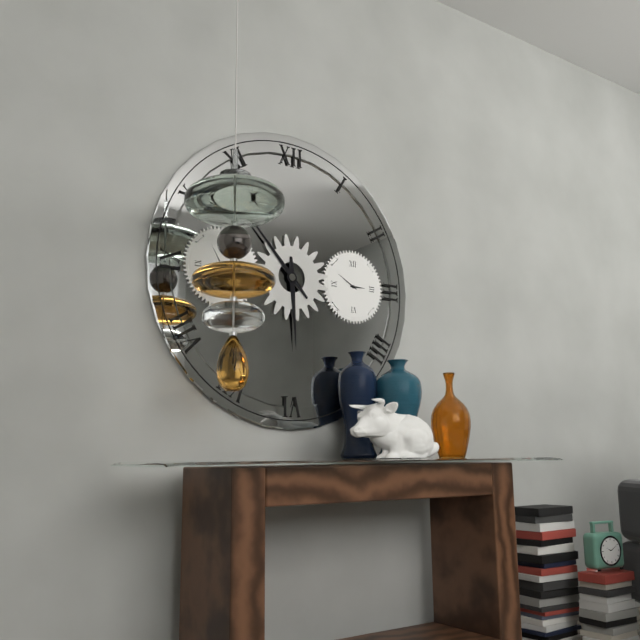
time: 5:53
